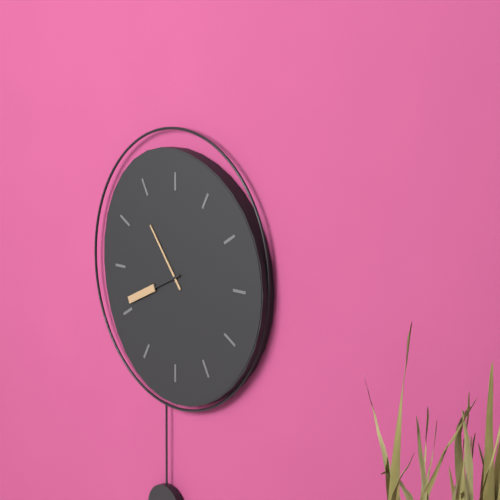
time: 10:41
